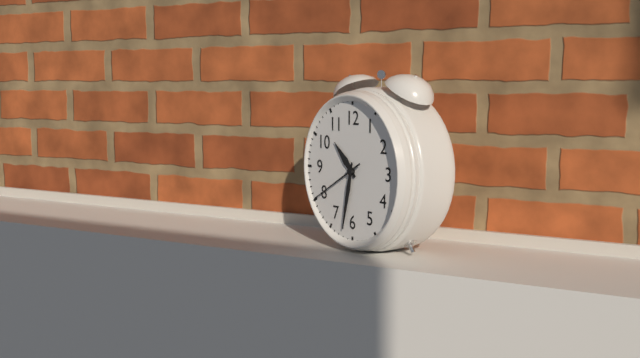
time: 10:32:40
